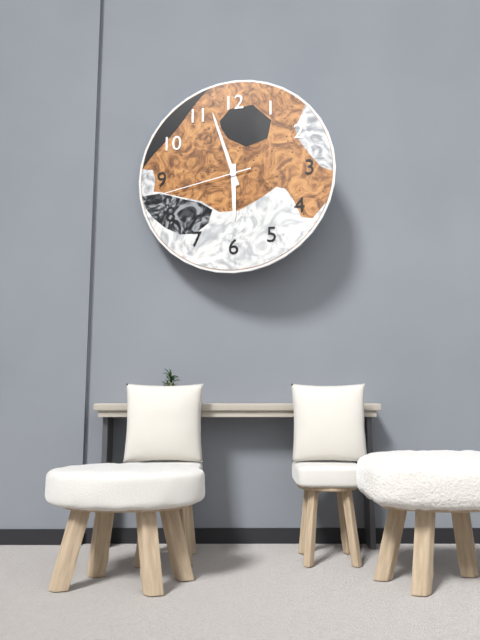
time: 5:57:43
